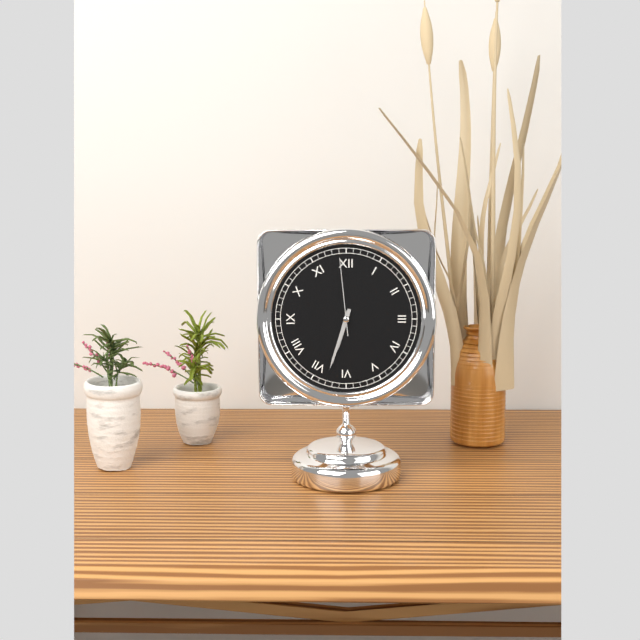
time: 6:33:59
